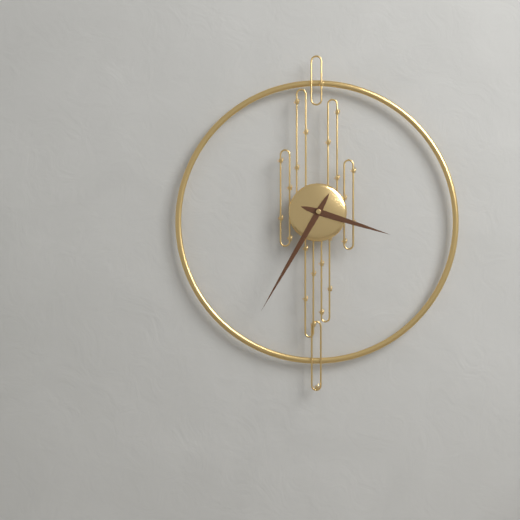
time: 3:35
